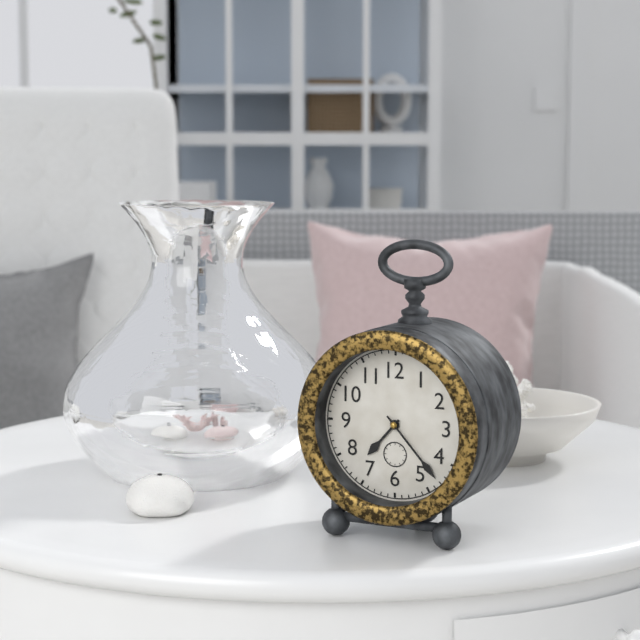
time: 7:23
